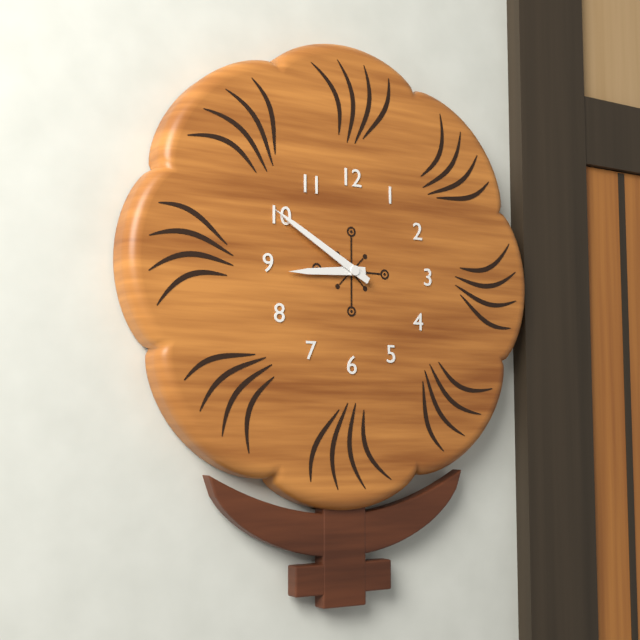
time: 8:50
